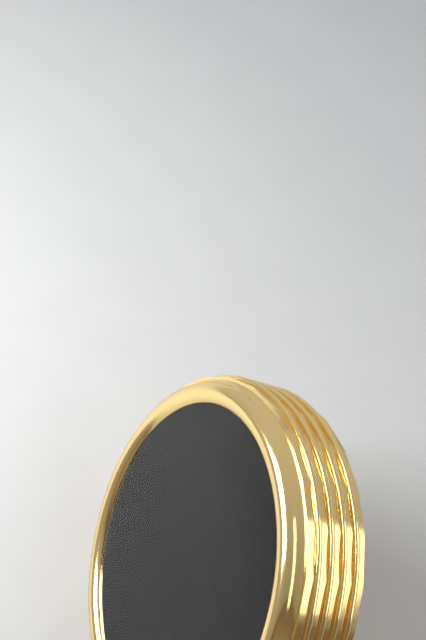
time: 11:54:00
